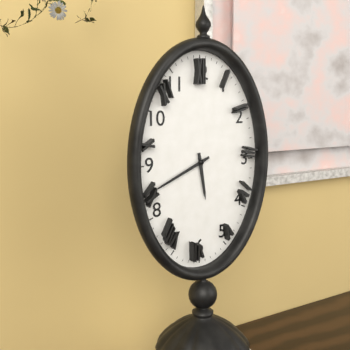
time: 5:41
